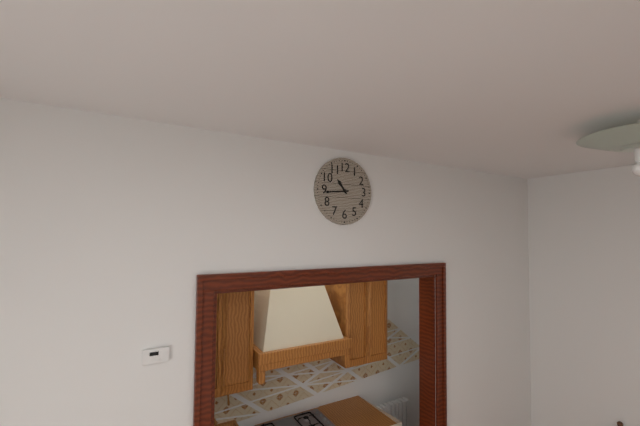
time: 10:44
